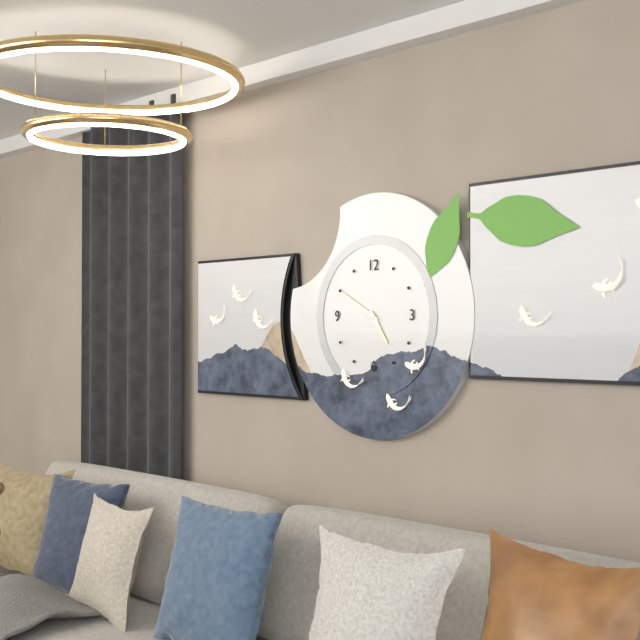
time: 4:50
